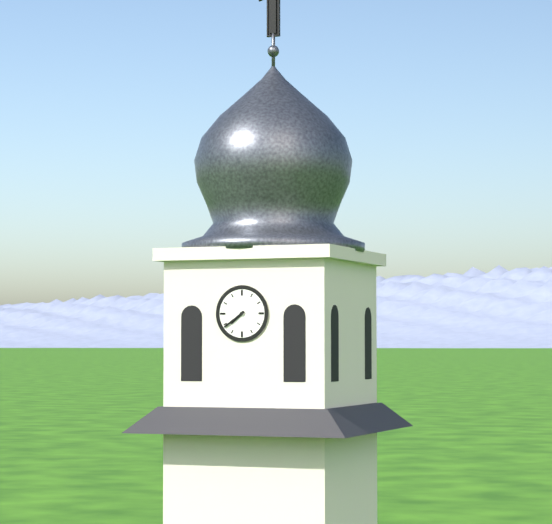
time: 7:39
